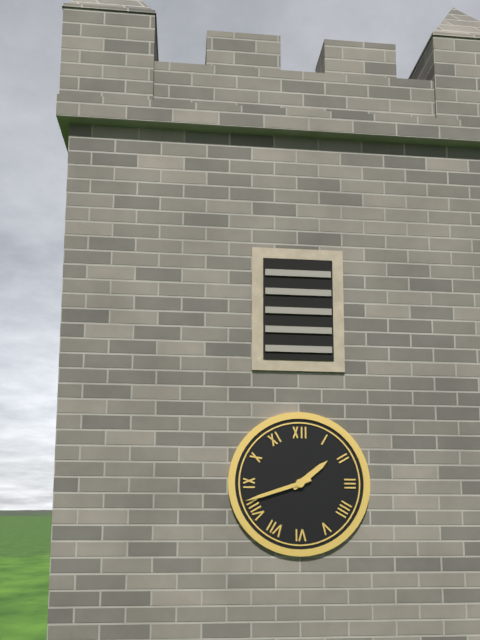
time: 1:42
